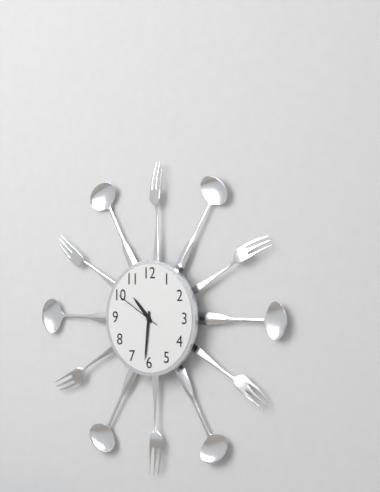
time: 10:31
